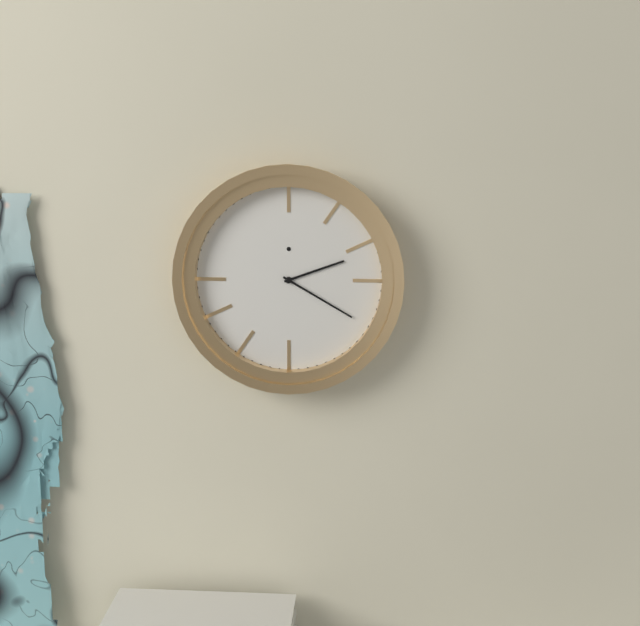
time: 2:20
